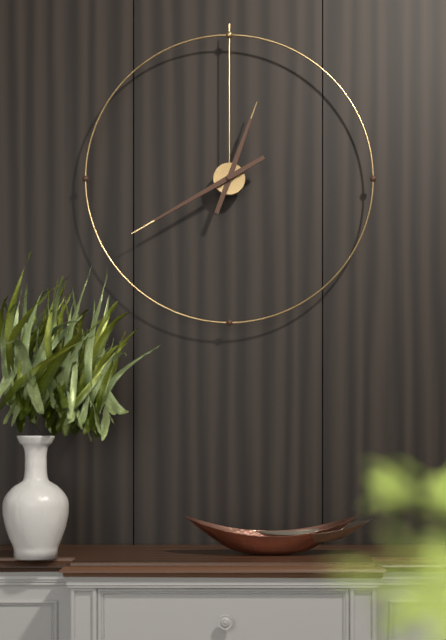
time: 12:40
